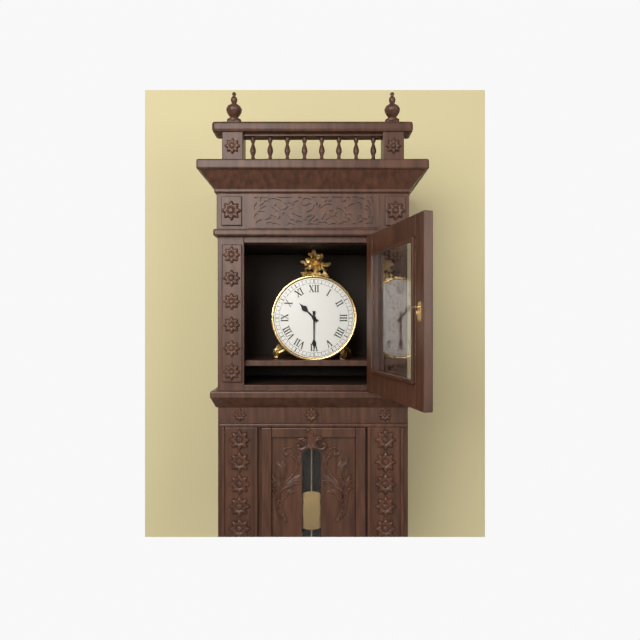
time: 10:30
